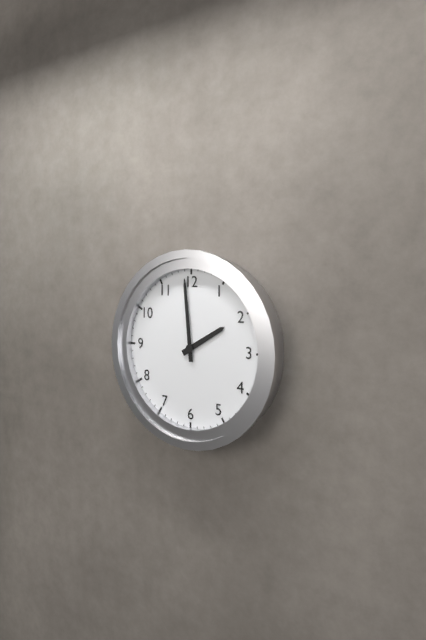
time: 1:59
